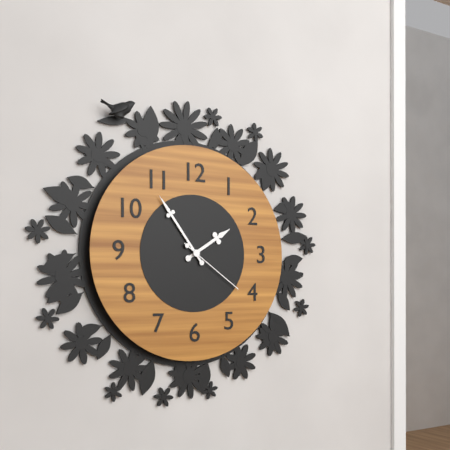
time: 1:54:21
